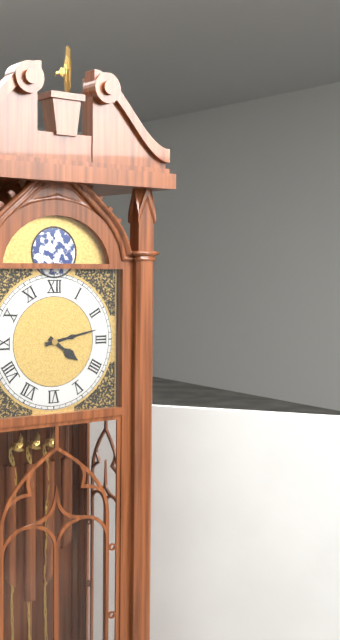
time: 4:13
